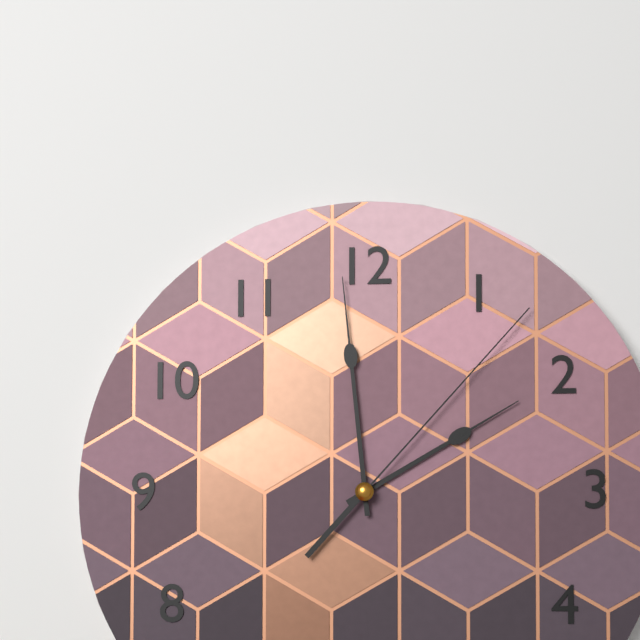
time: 1:59:07
